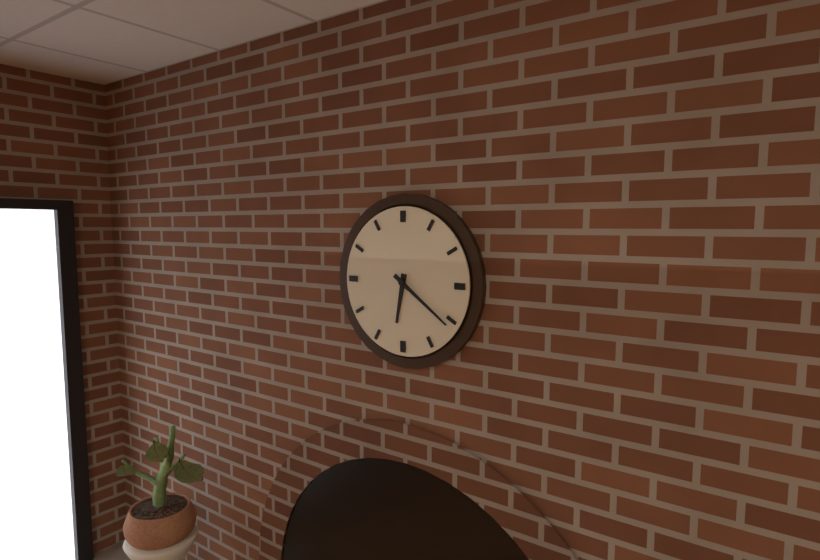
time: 6:21
